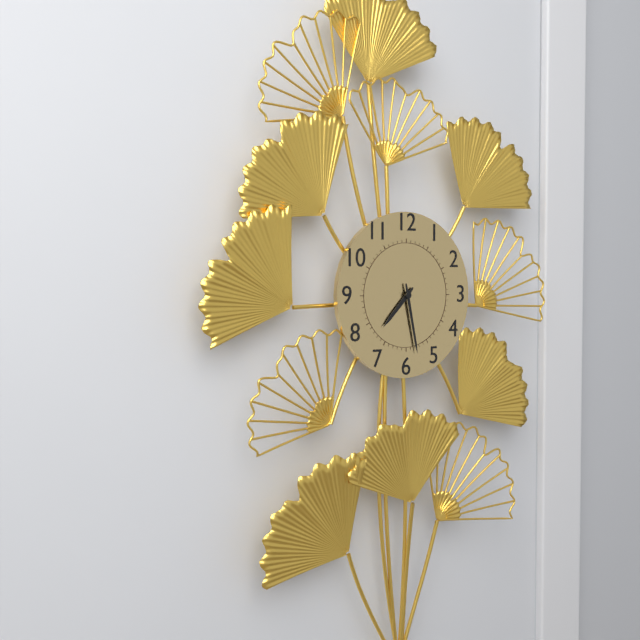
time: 7:28
